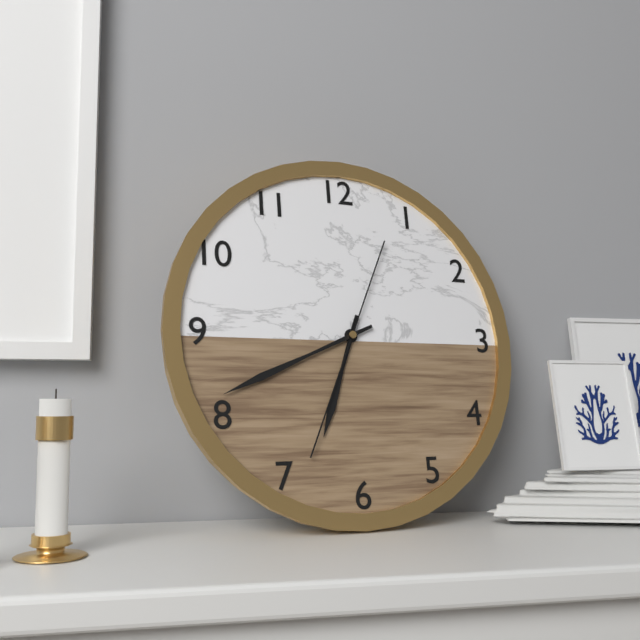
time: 6:41:34
